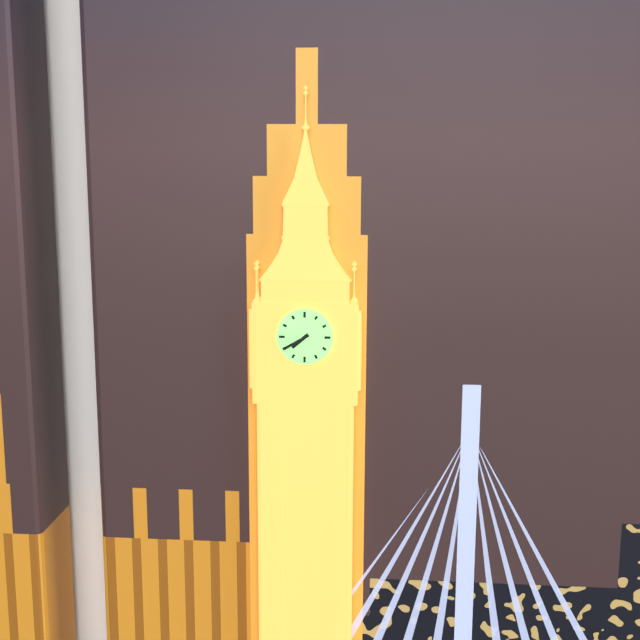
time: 7:40
